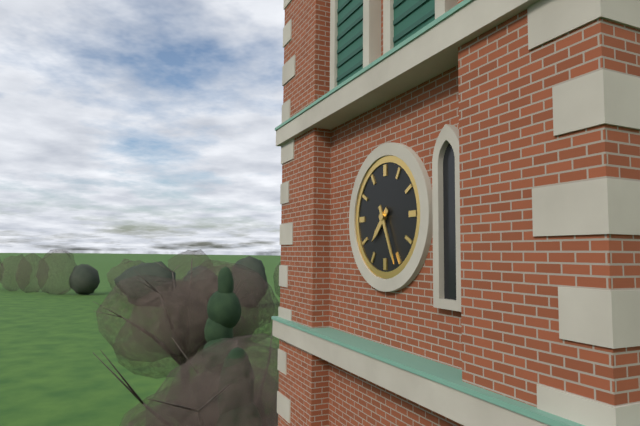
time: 7:26
